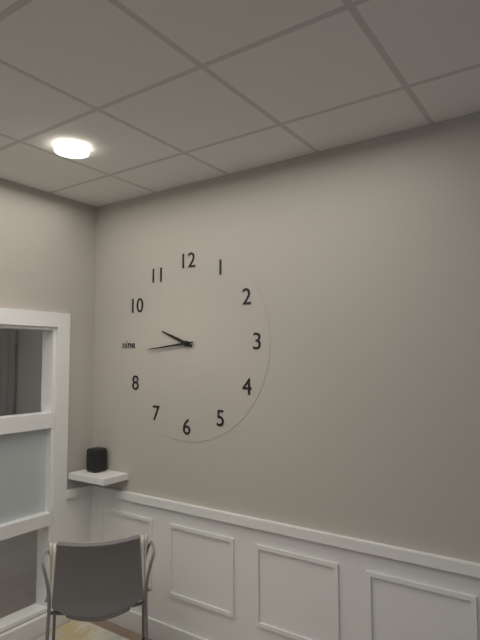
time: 9:44
